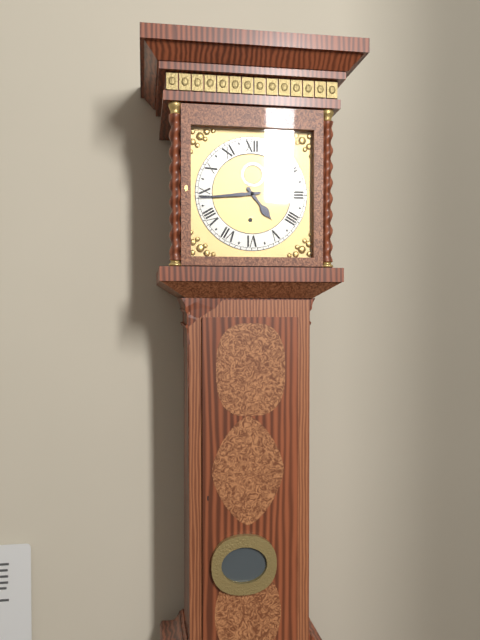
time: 4:44
